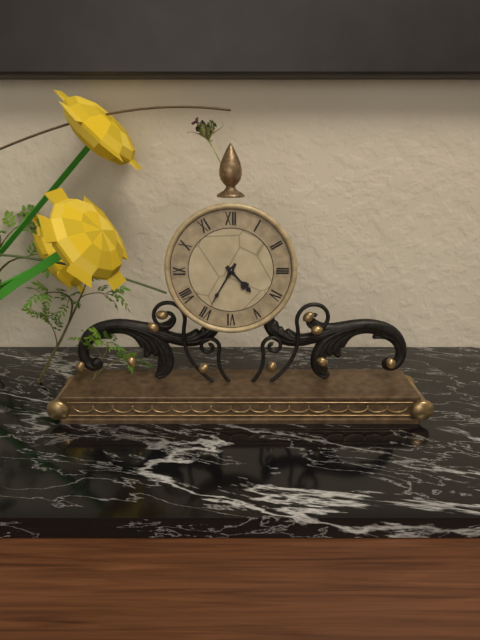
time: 4:35
